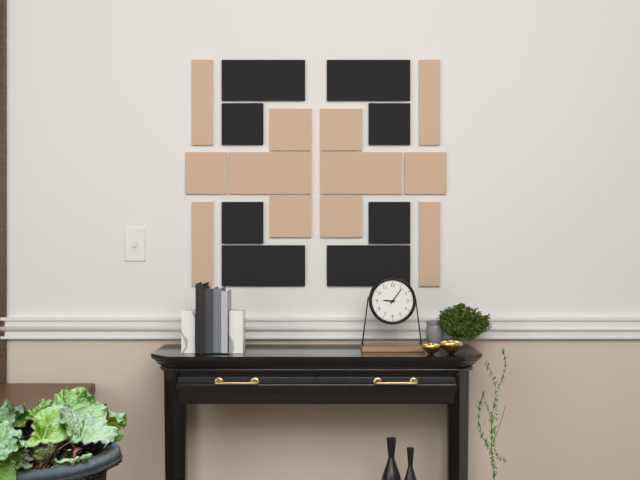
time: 9:06
